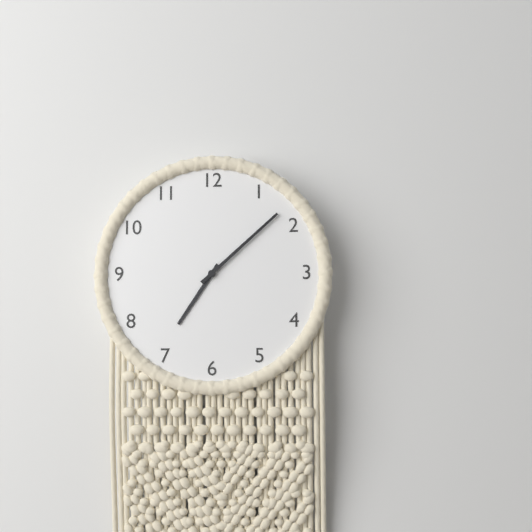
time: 7:08
